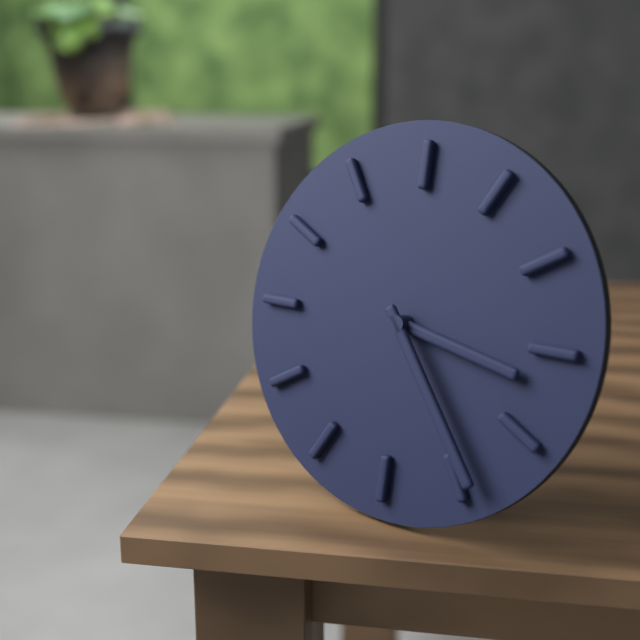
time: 3:24
